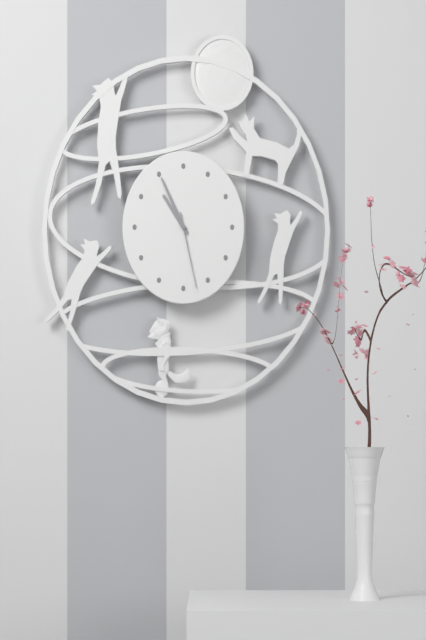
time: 10:56:28
